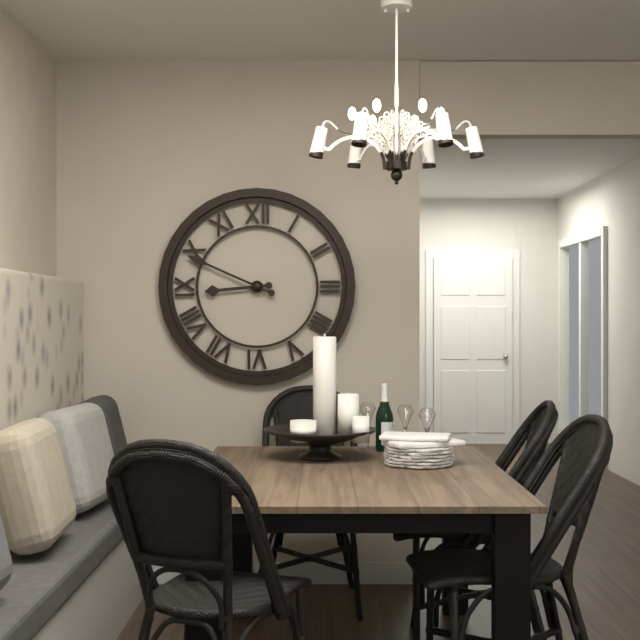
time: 8:49
